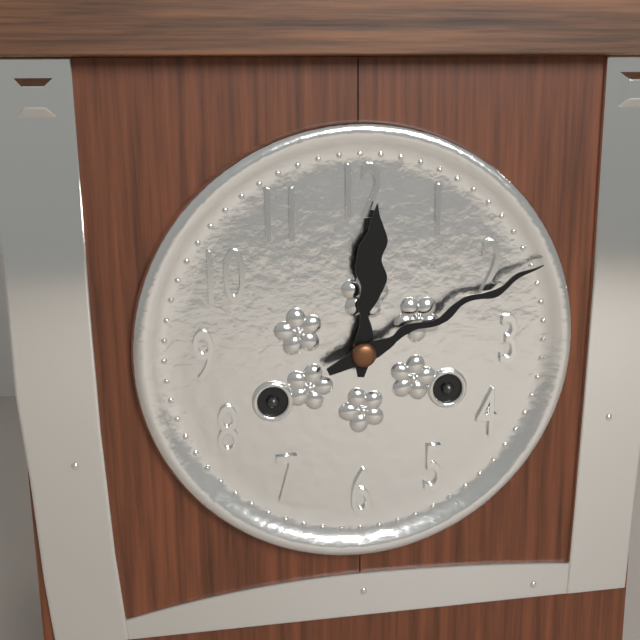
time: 12:11
